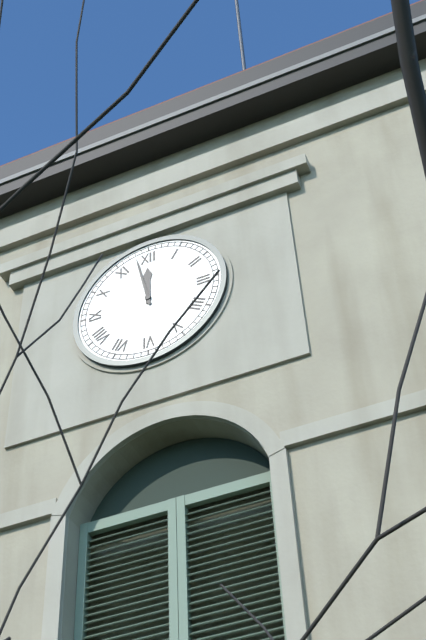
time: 11:58
